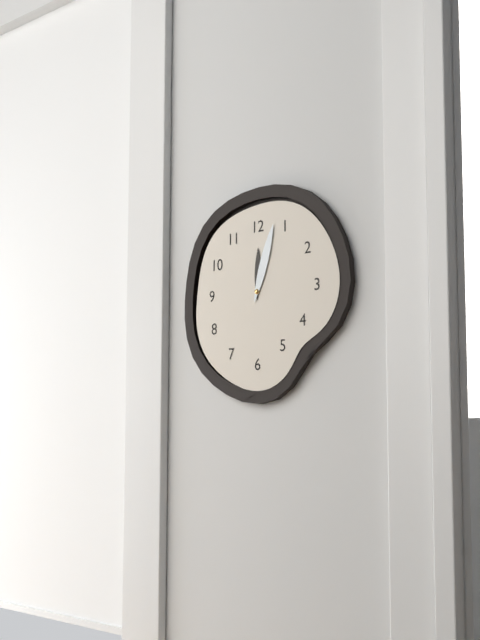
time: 12:03
